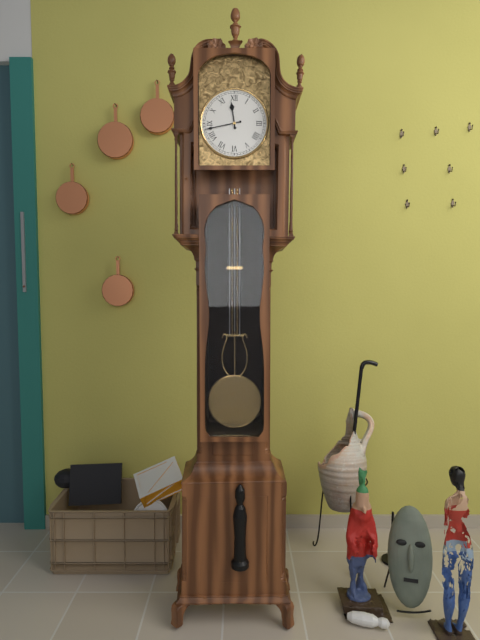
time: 11:43
